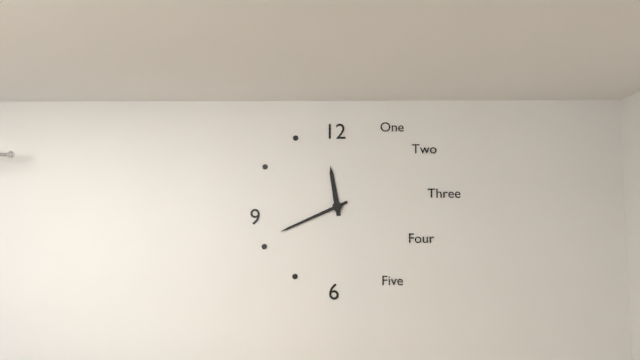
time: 11:41
